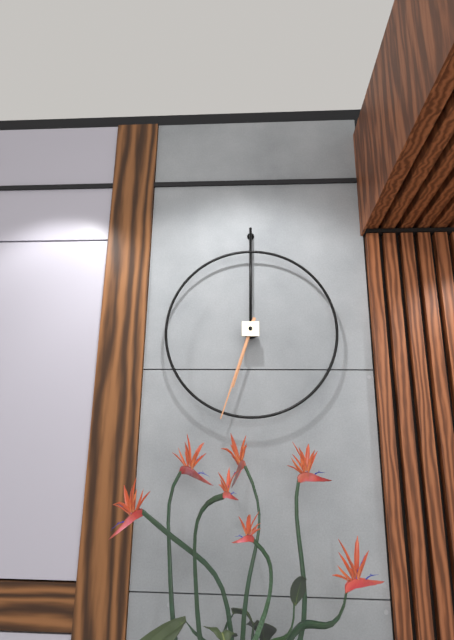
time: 6:33
